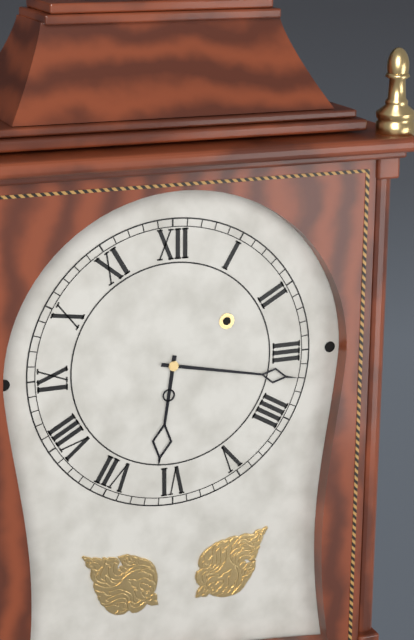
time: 6:17
